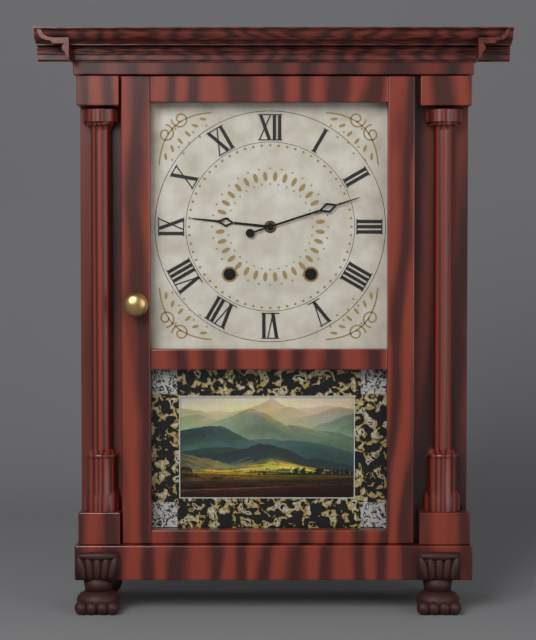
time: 9:12
